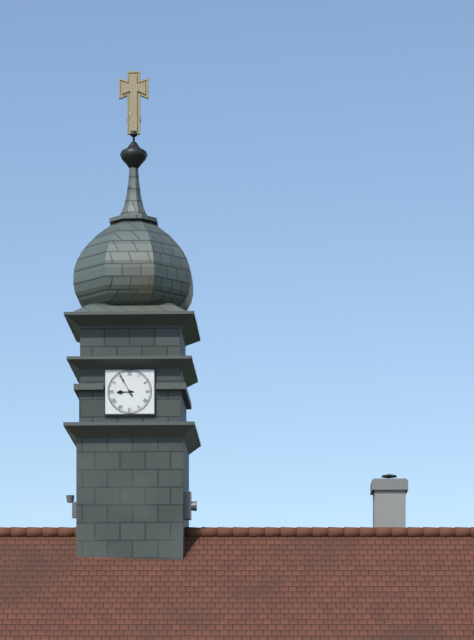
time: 8:55
